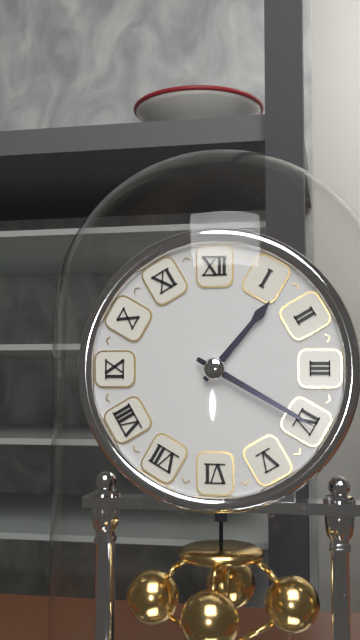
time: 1:20
